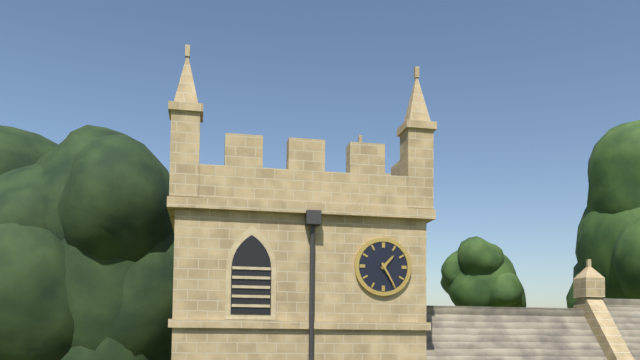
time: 1:25
